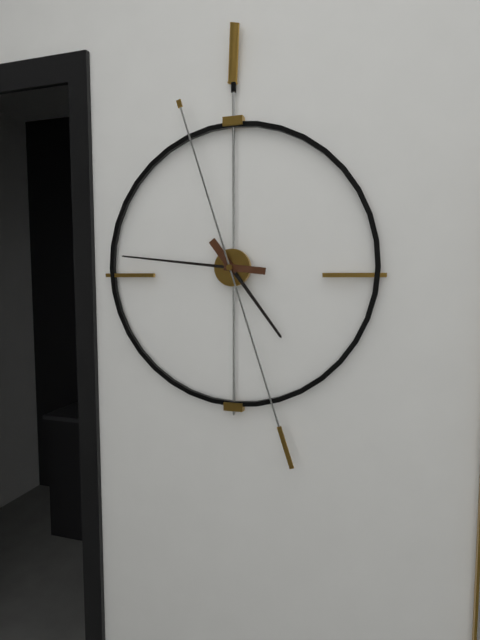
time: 4:46:27
